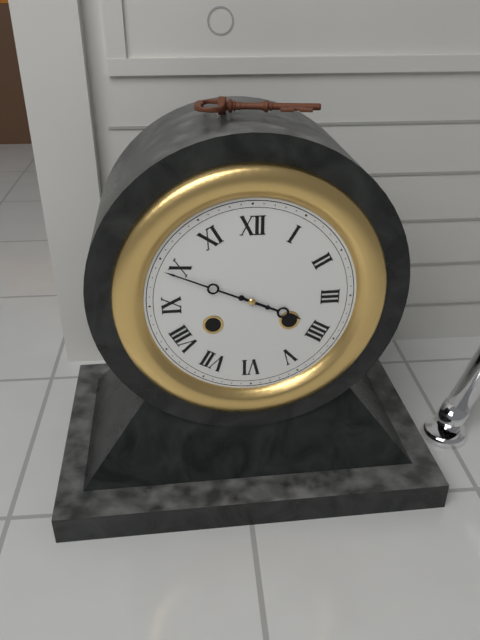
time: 3:49
